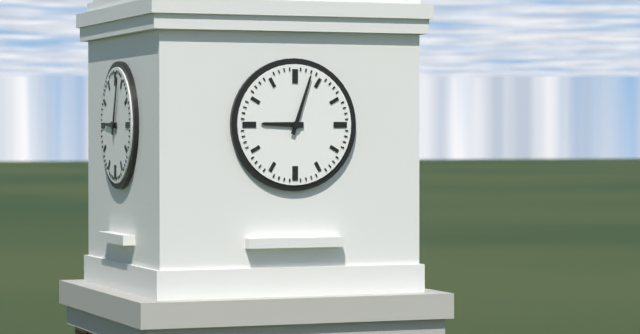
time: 9:03
